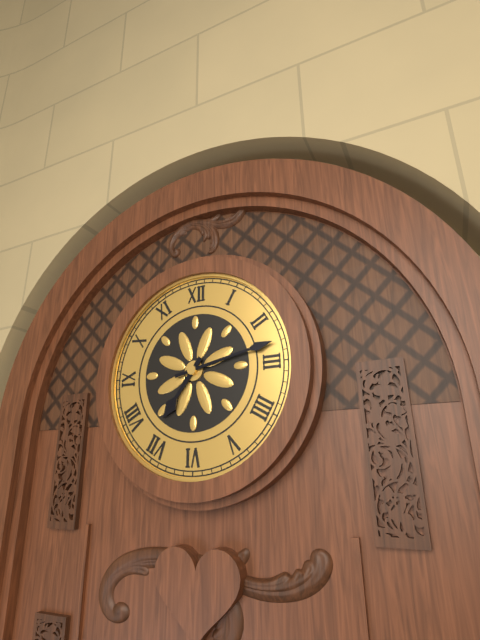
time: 7:13
